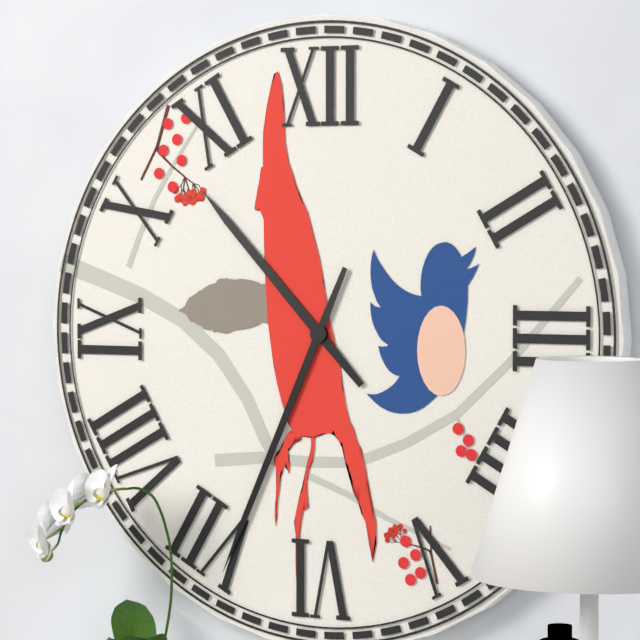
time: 10:34
